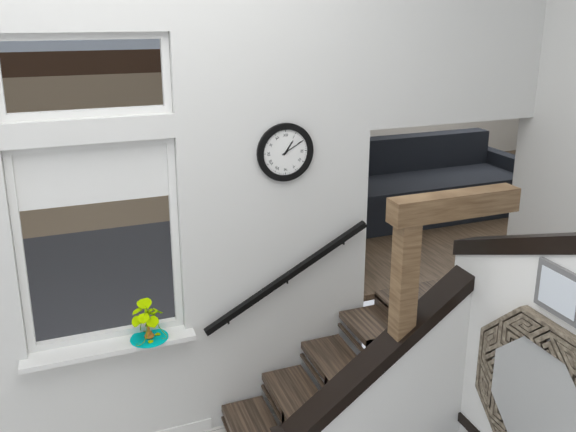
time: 1:10
